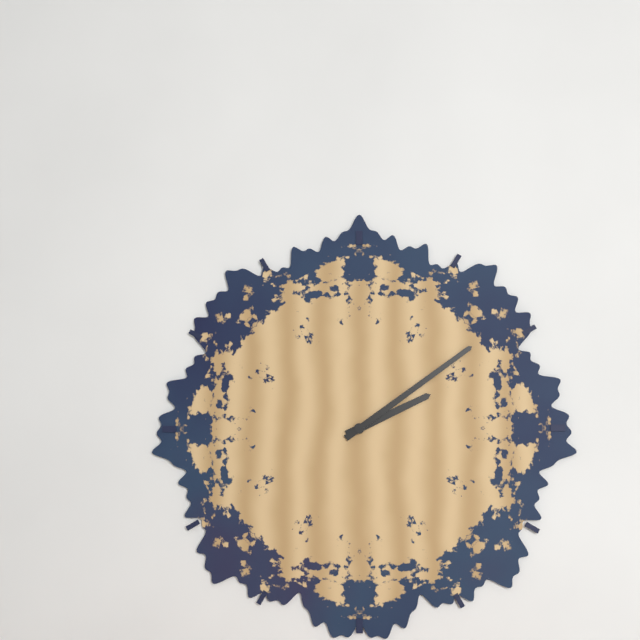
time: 2:09
